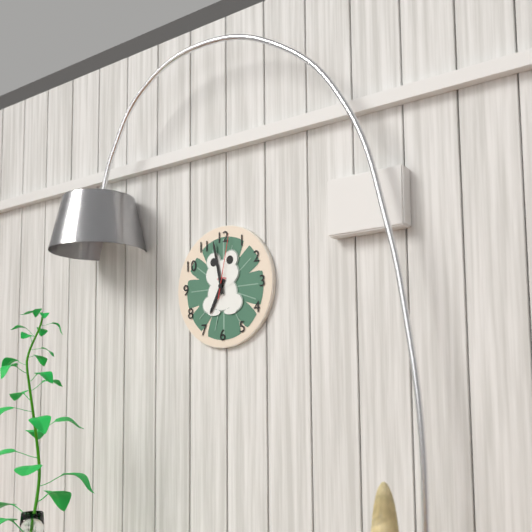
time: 6:58:02
